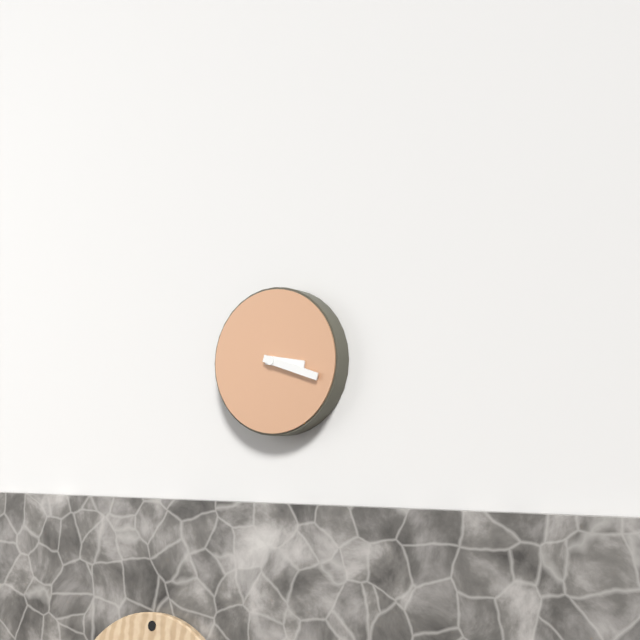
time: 3:18
